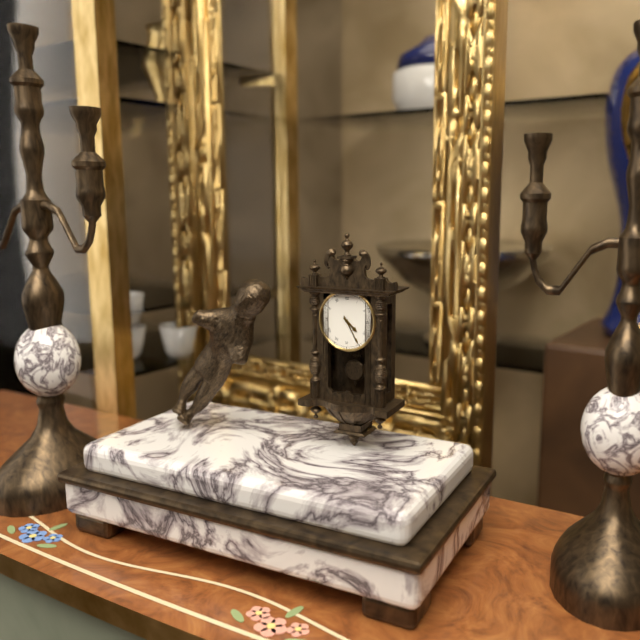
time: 4:25
